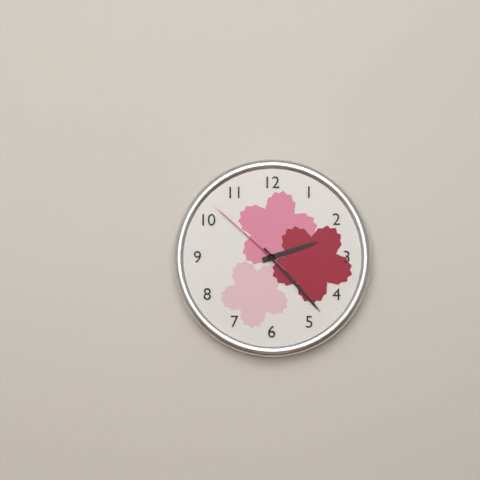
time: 2:23:52
